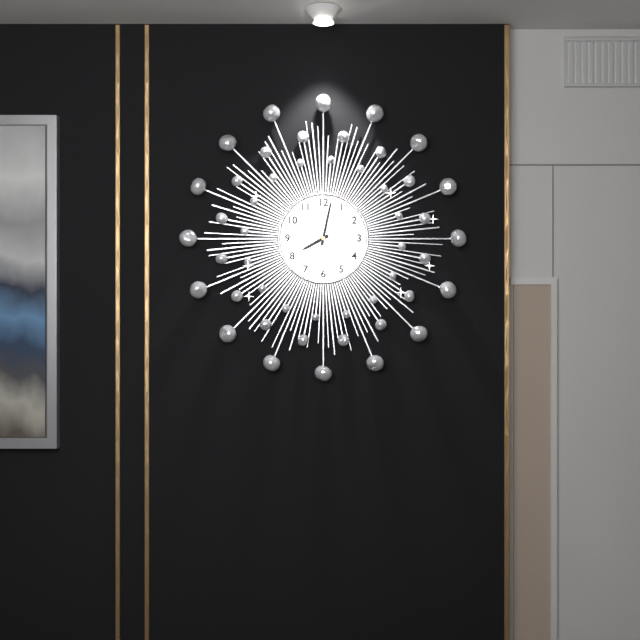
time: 8:02
